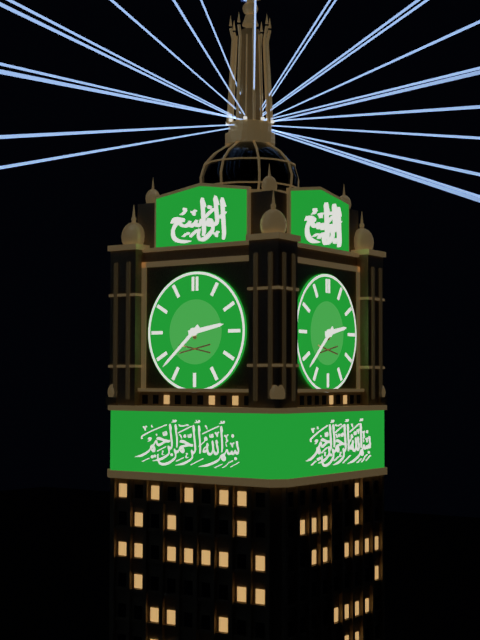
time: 2:38
